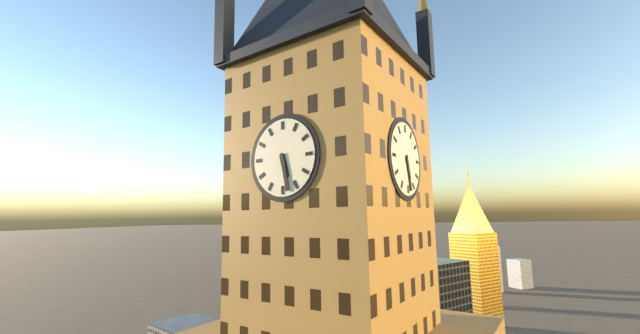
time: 5:28
